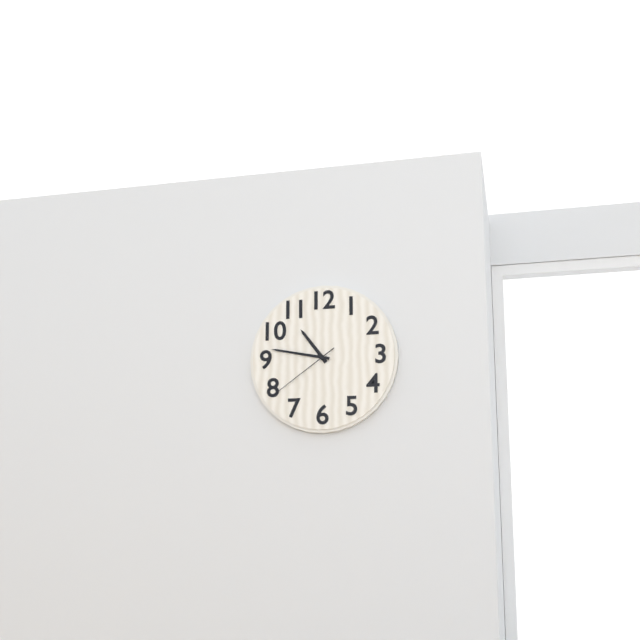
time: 10:47:39
